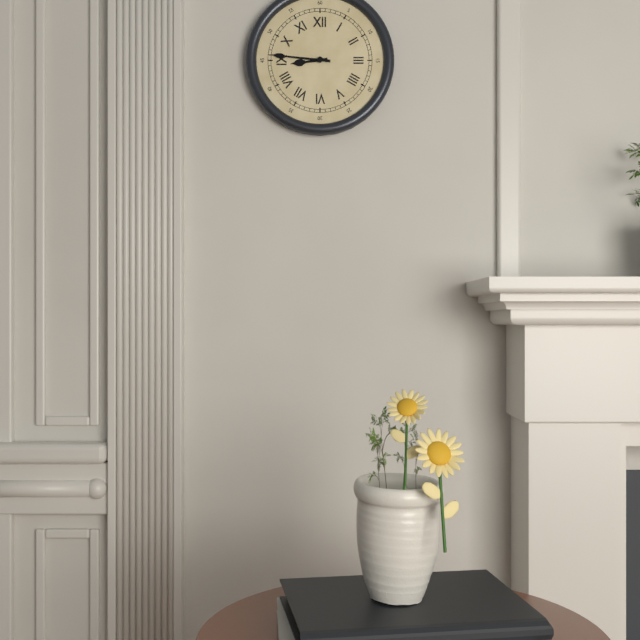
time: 8:46
